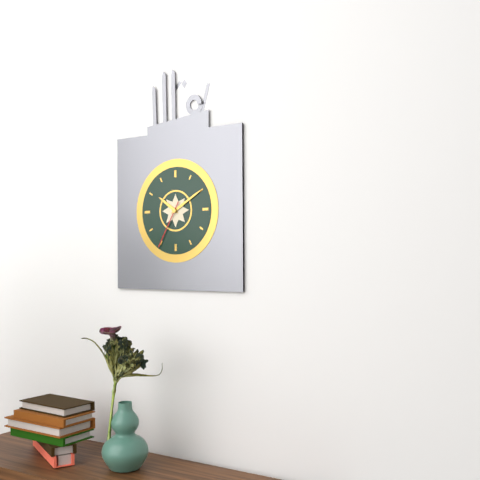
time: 10:10:35
